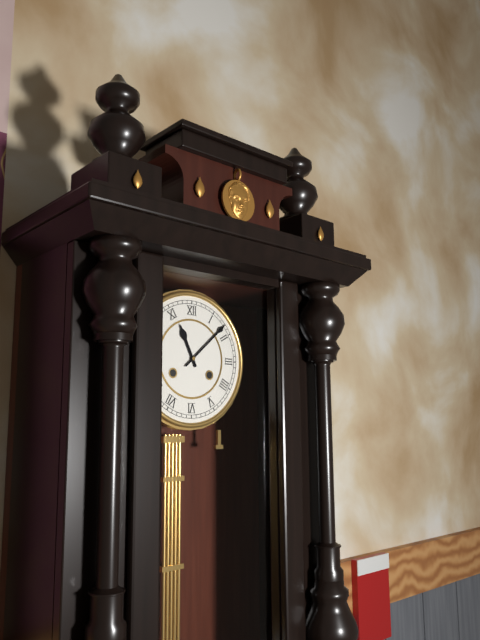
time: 11:08
